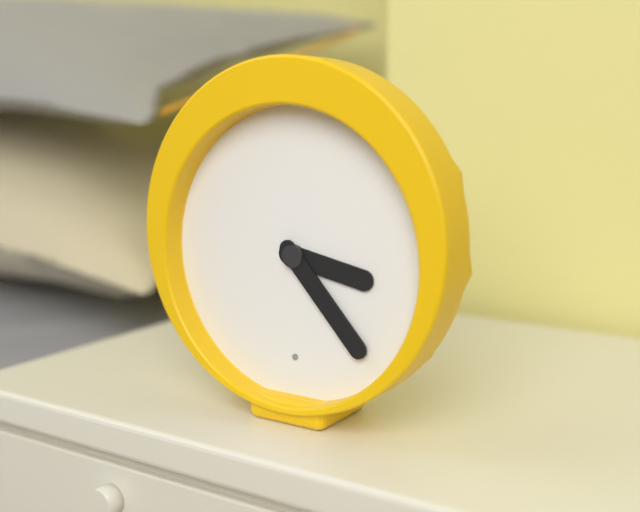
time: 3:23
